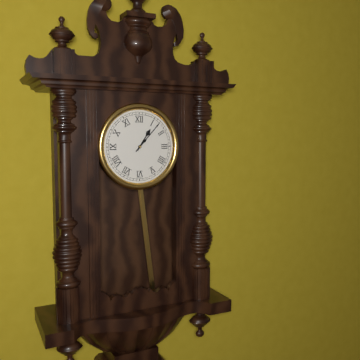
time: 1:07
